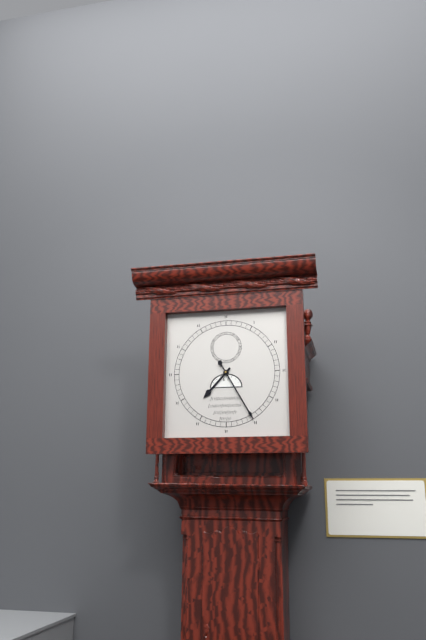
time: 7:25
